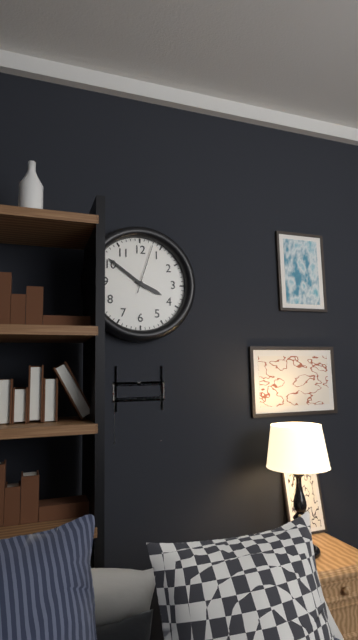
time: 3:51:03
